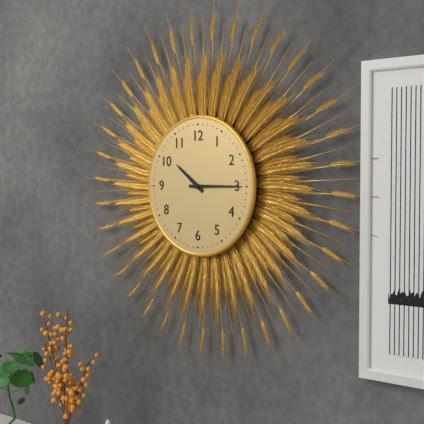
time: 10:15
